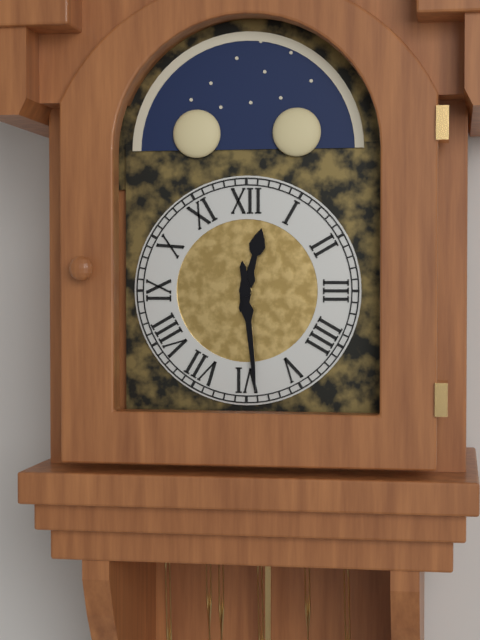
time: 12:29
